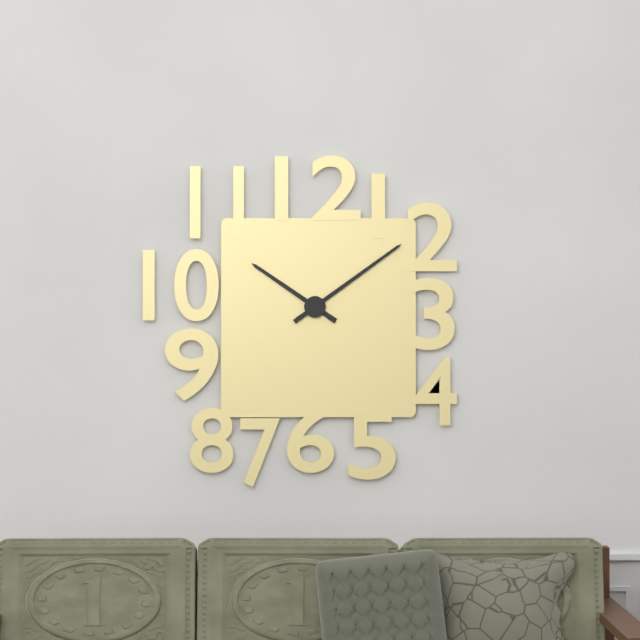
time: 10:09
